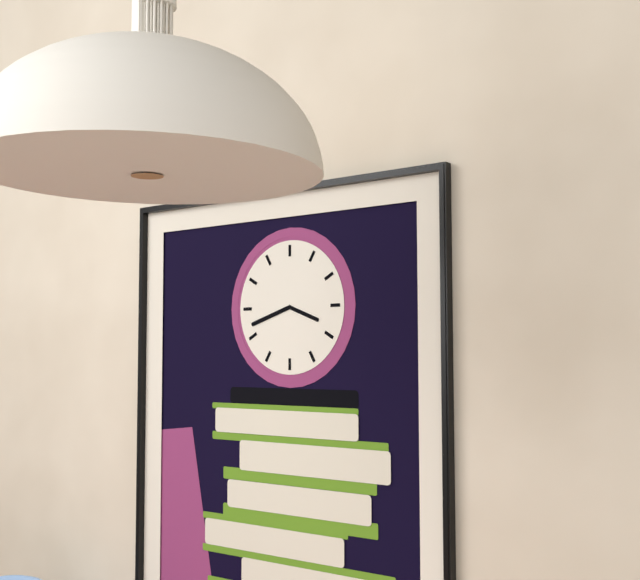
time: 3:42
